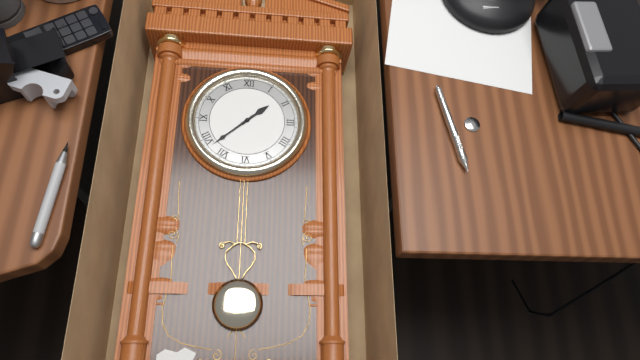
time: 1:38
